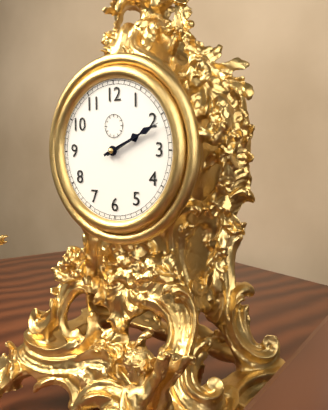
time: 2:11
